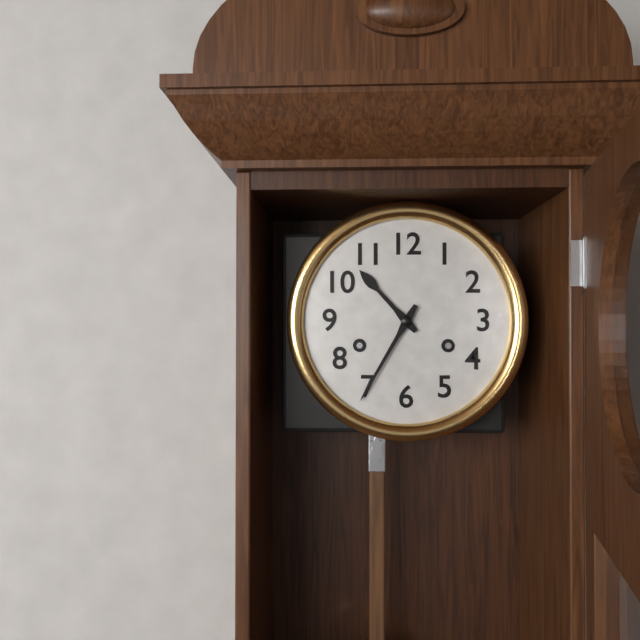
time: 10:35
